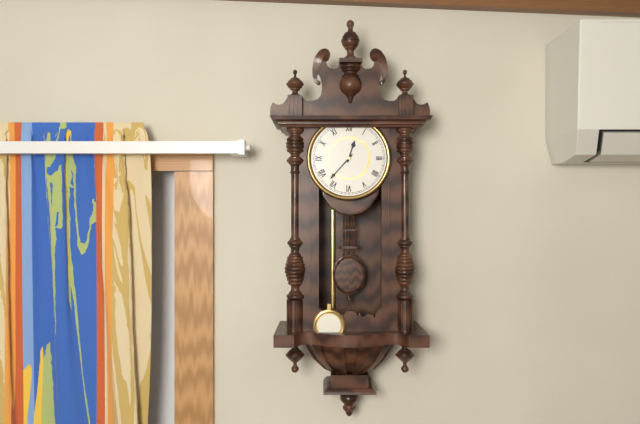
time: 12:37
